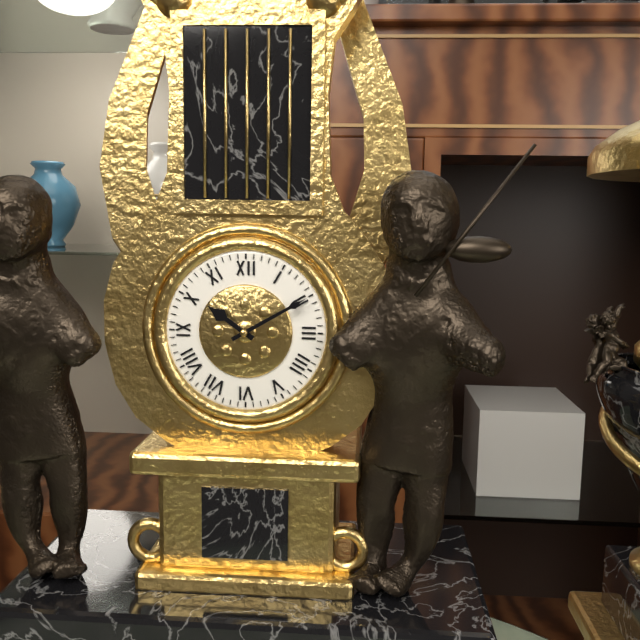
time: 10:10
